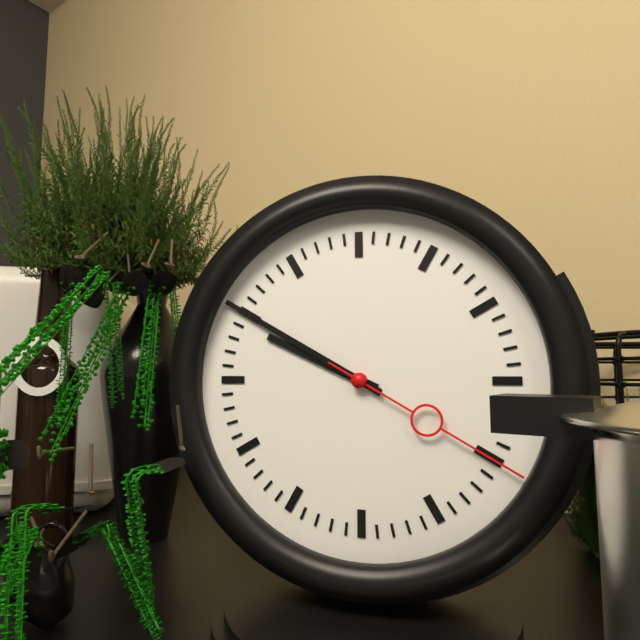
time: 9:50:20
